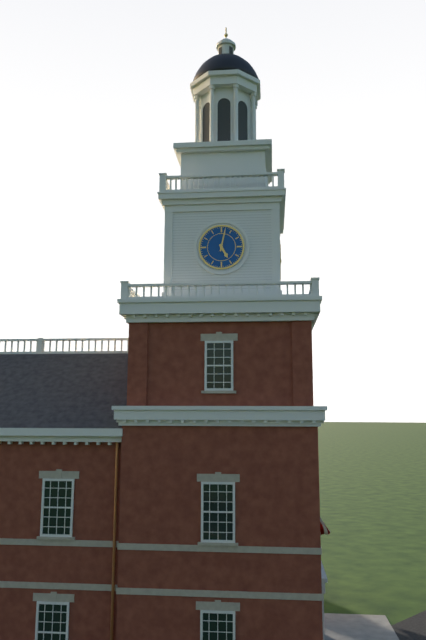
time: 5:02
